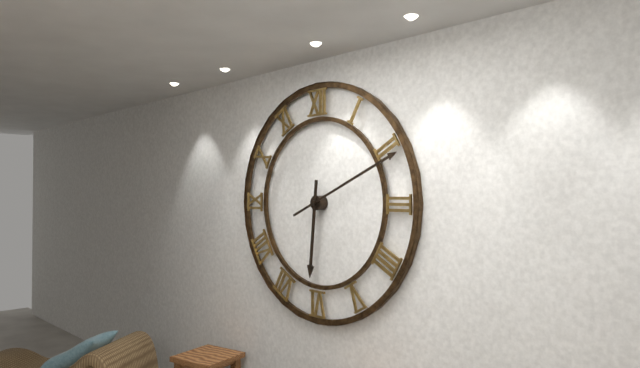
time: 6:11
